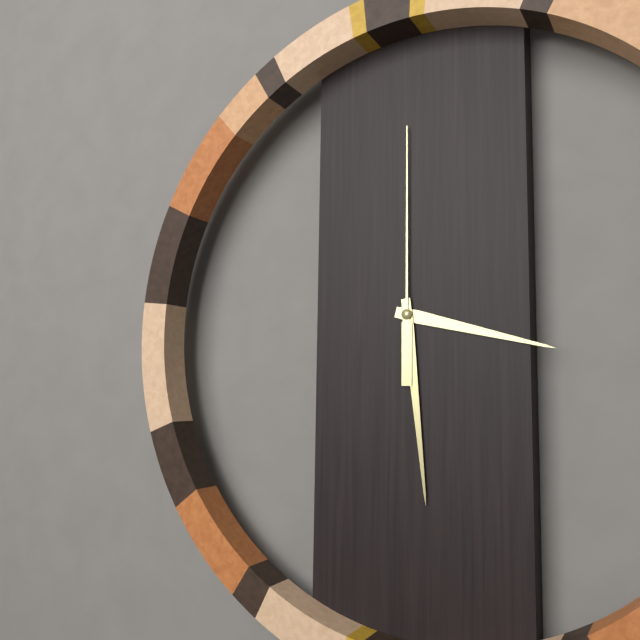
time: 3:29:00
